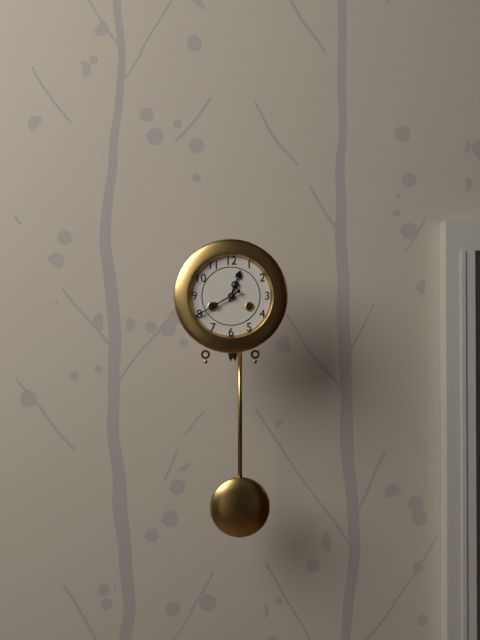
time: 12:40
